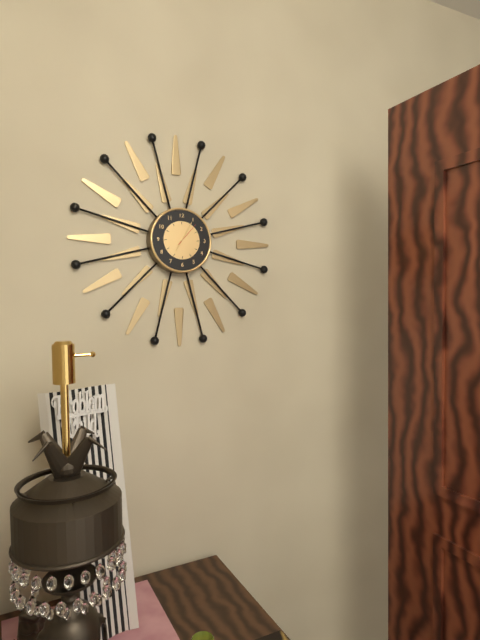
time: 7:05
